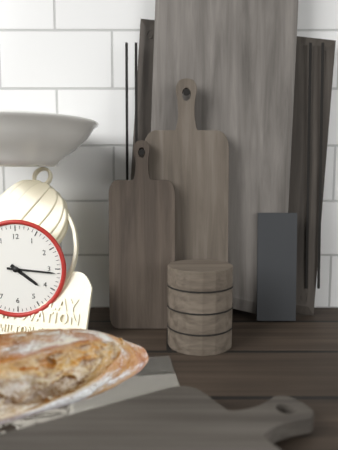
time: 4:16
